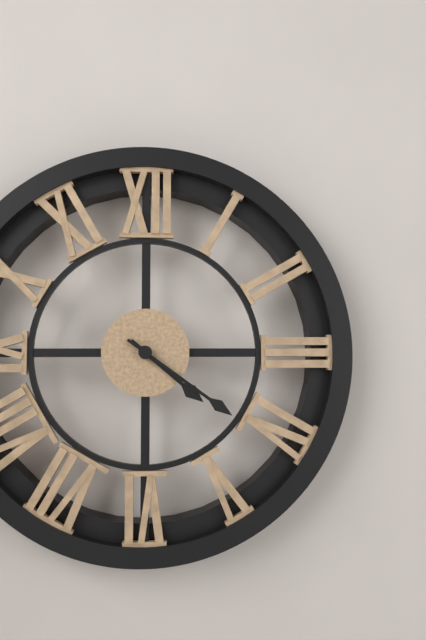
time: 4:21
